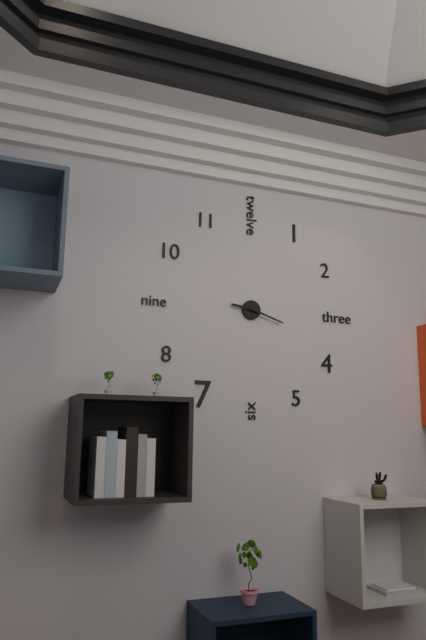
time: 9:18
